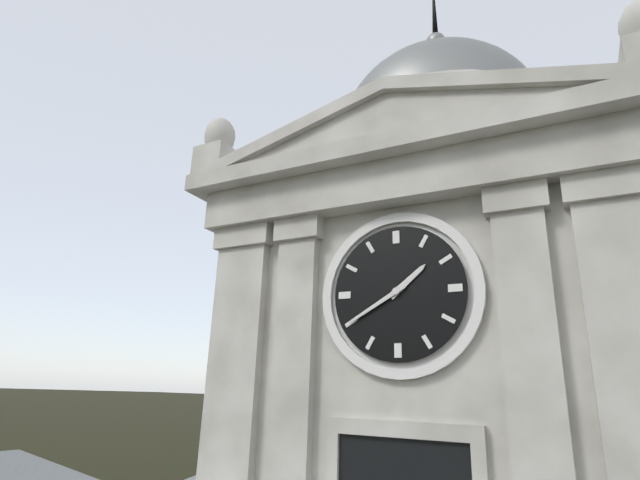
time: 1:40
